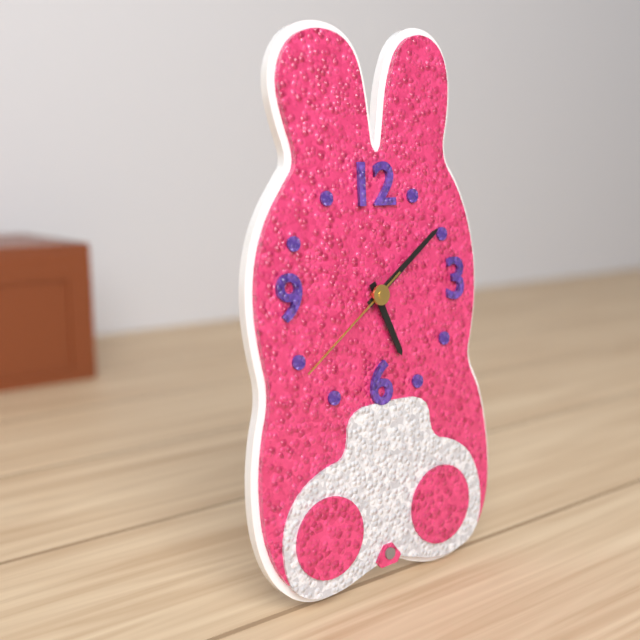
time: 5:09:39
